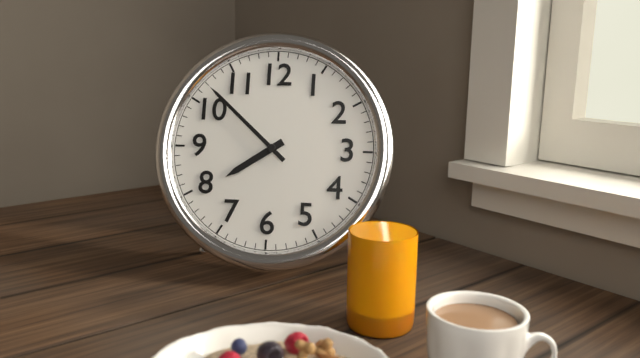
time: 7:52
